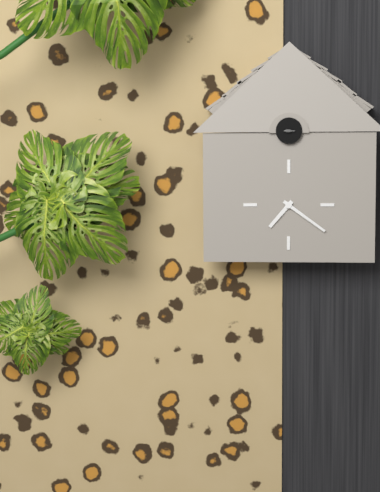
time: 7:21
